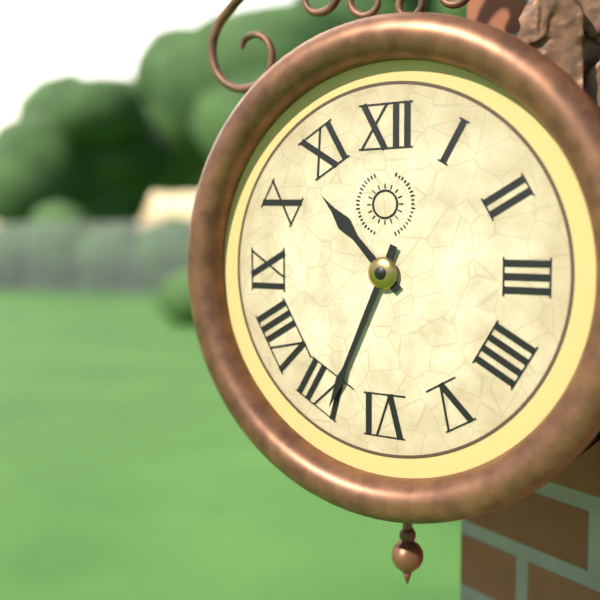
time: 10:34
